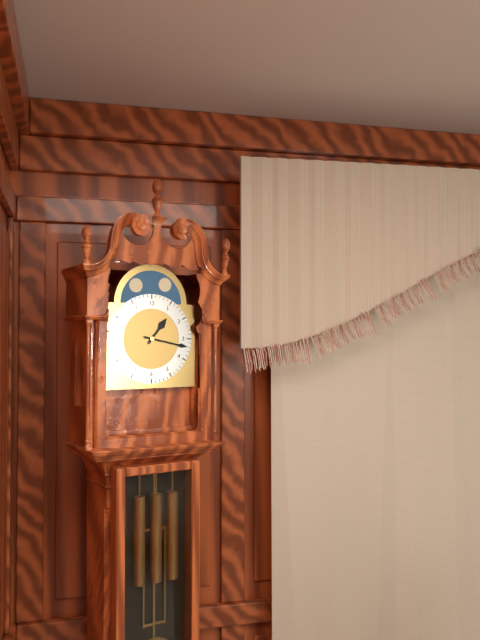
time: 1:17
